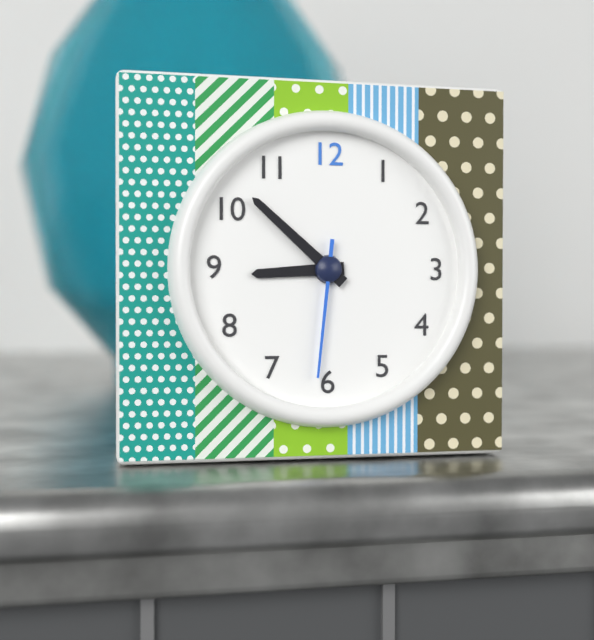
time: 8:52:31
